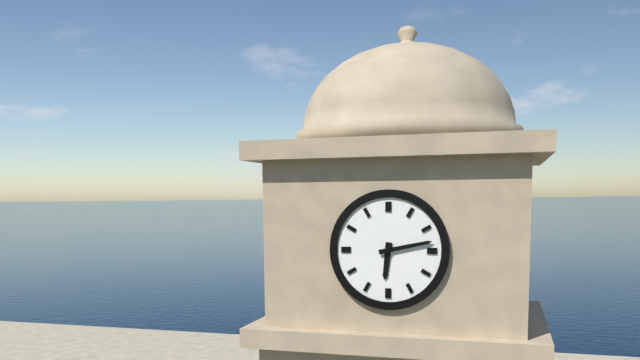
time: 6:13
